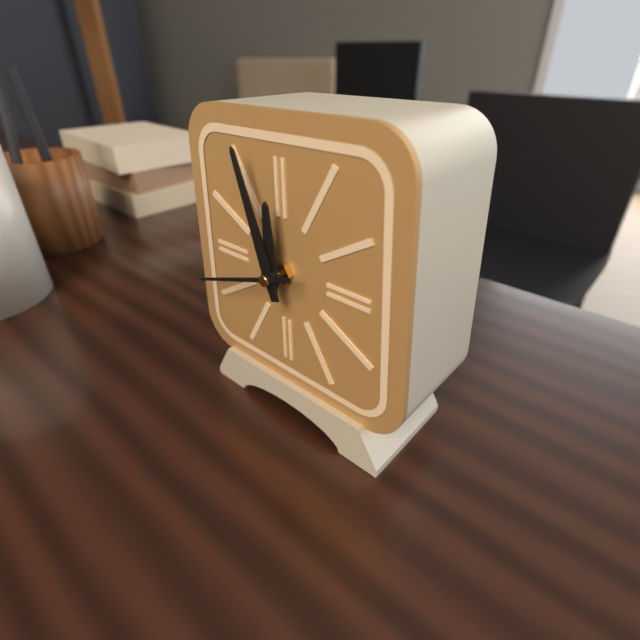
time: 11:57:42
